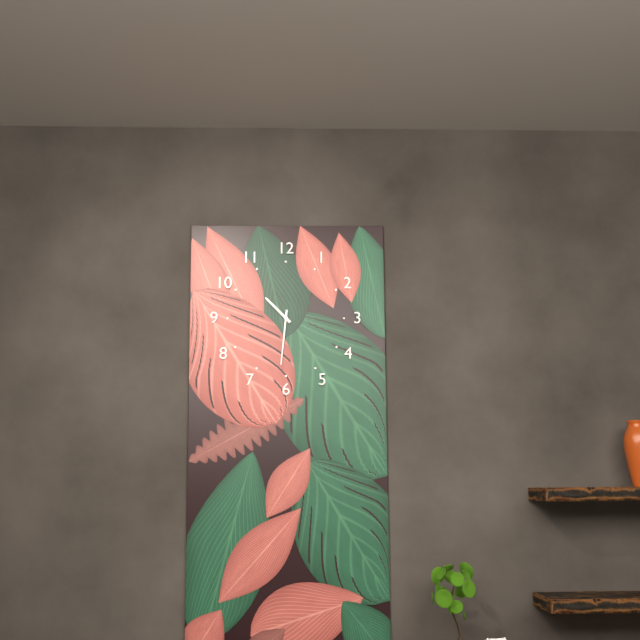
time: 10:31
